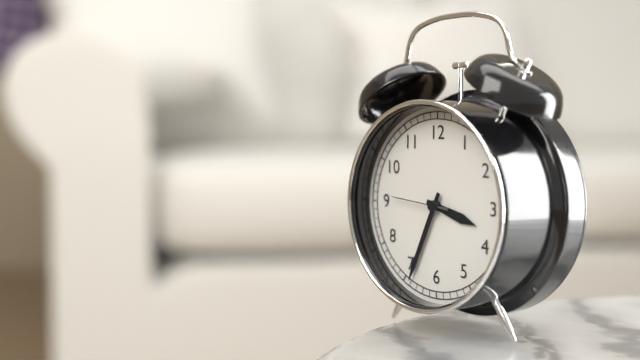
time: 3:34:46
